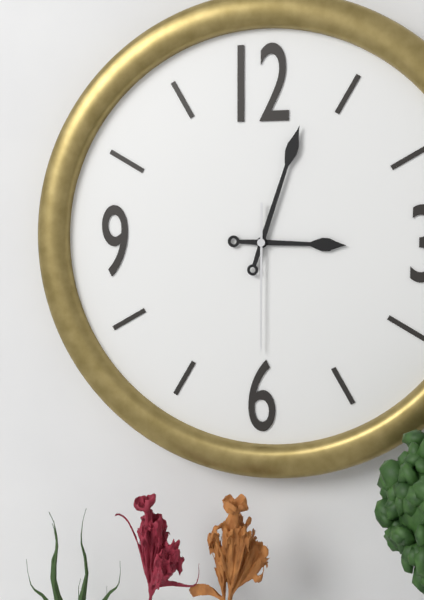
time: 3:03:30
